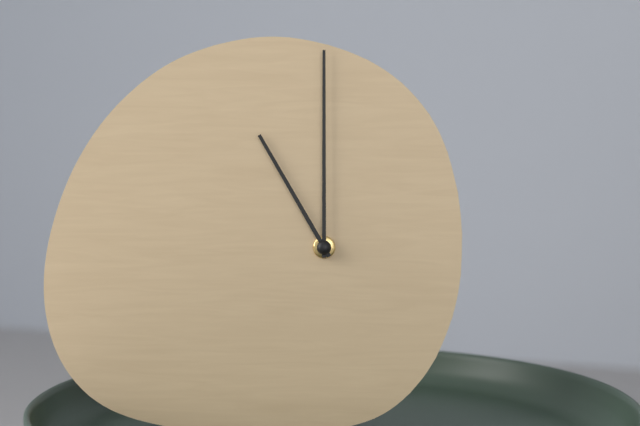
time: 11:00
